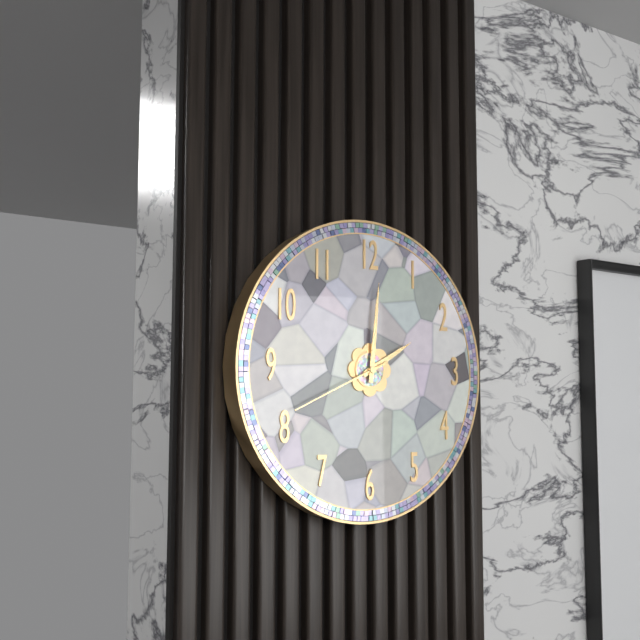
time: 2:01:41
